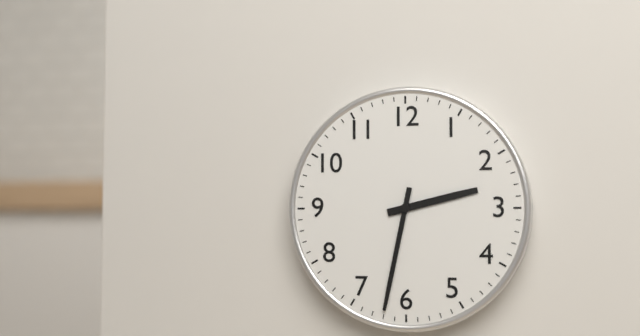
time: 2:32
